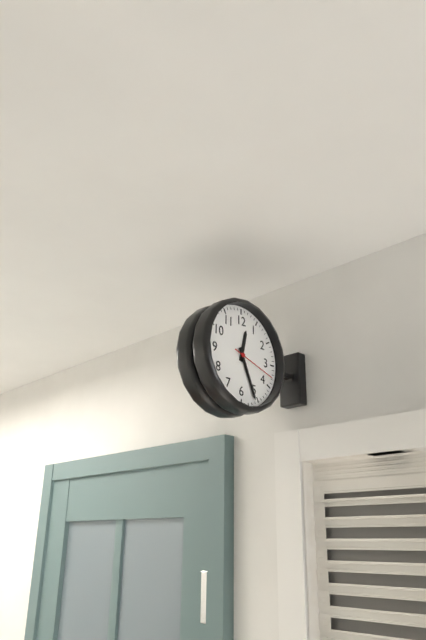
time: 12:26
